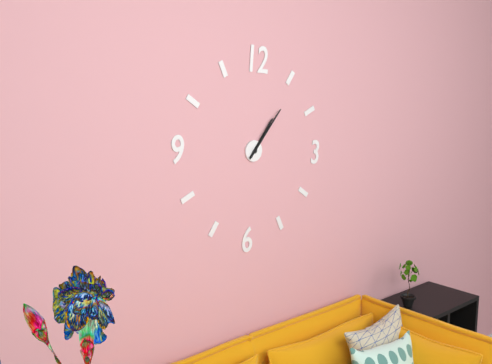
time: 1:06
